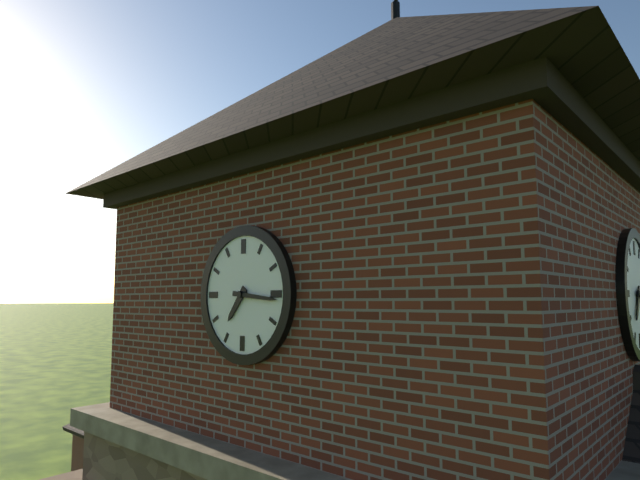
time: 7:16
